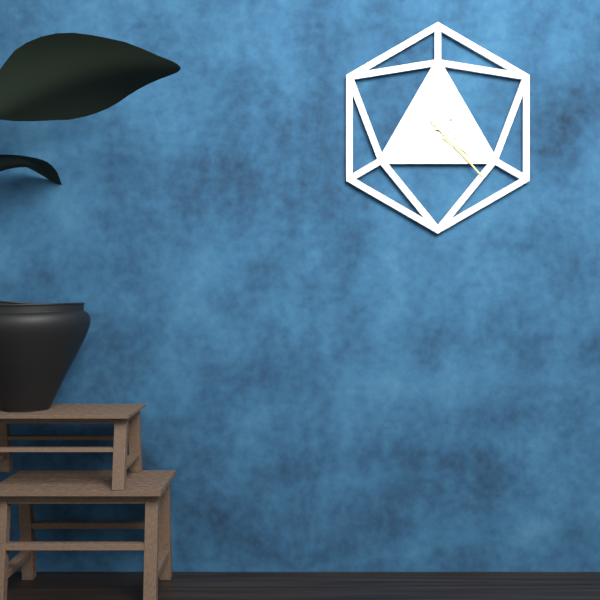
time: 4:23:39
